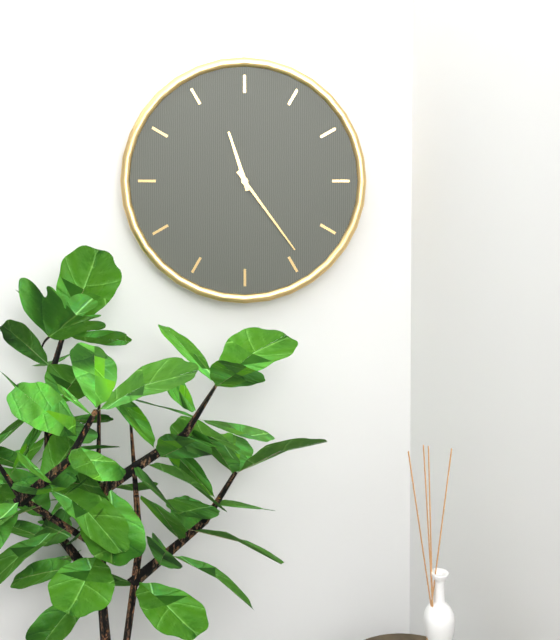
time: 11:24
